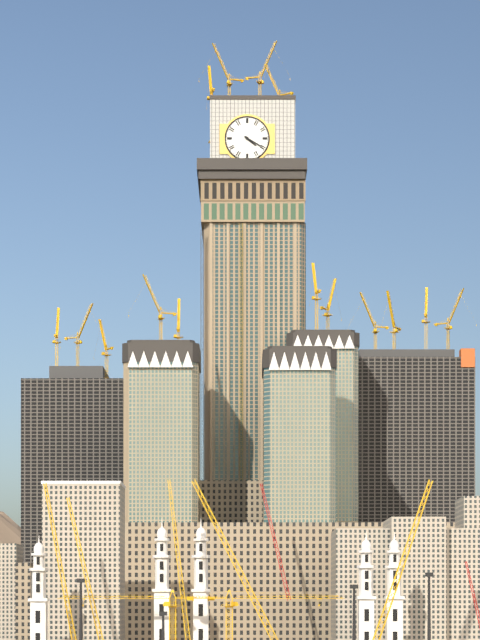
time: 4:20
